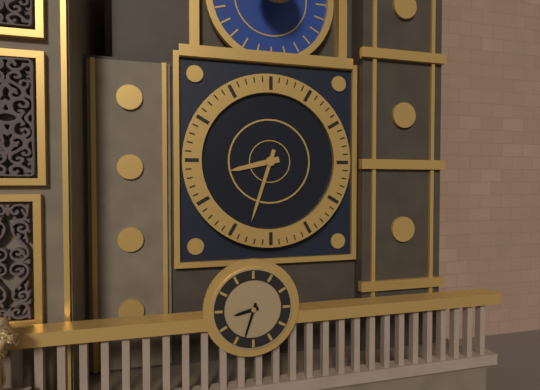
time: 8:33
